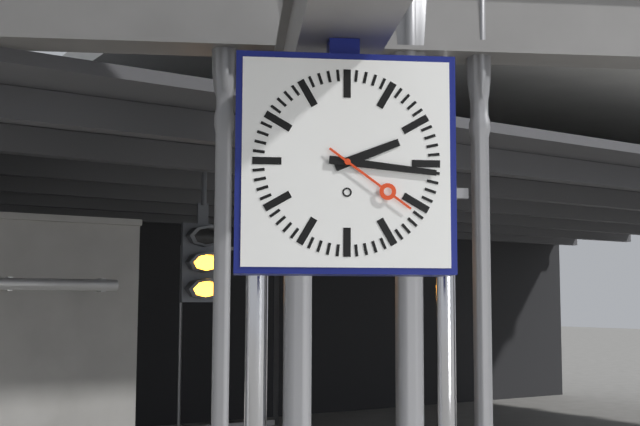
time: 2:16:21
